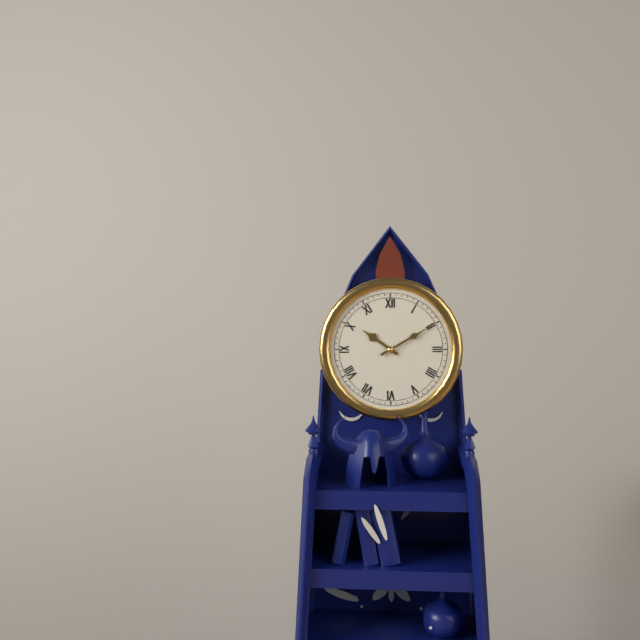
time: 10:10
